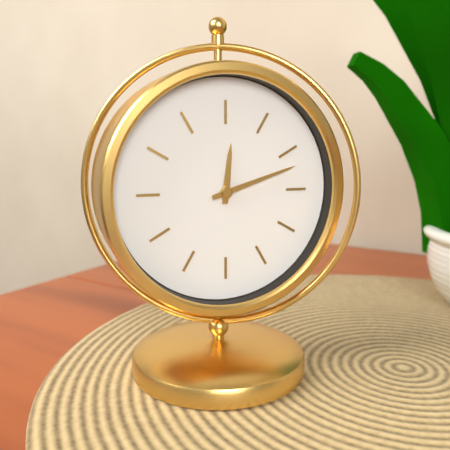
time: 12:12
